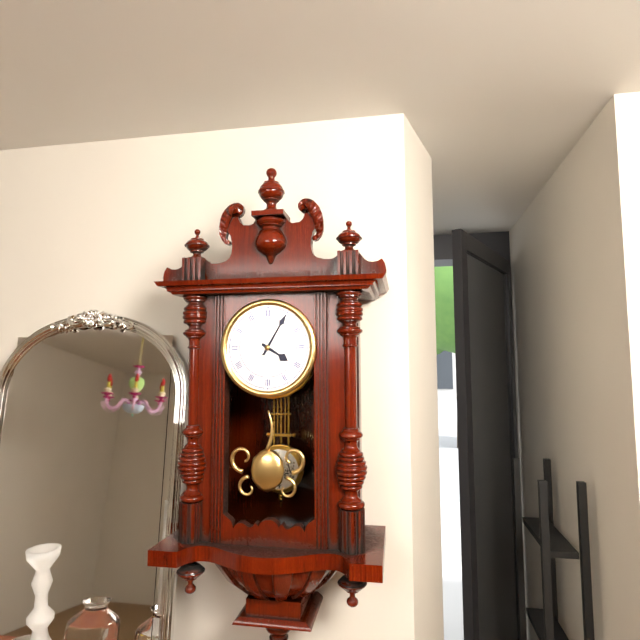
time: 4:05
